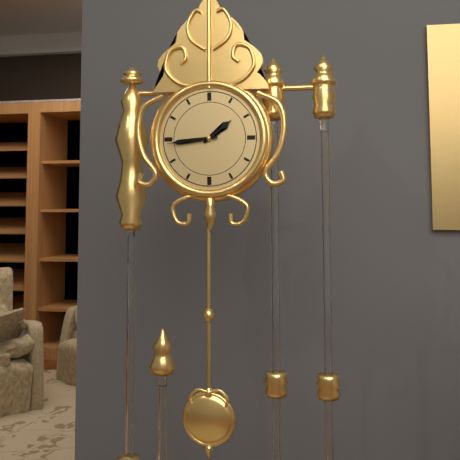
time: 1:44
